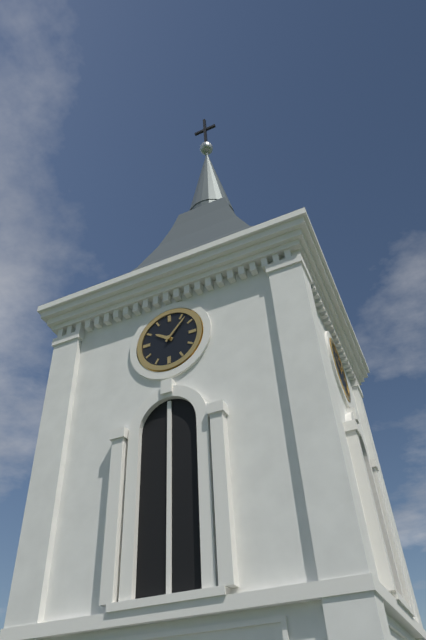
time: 10:07
